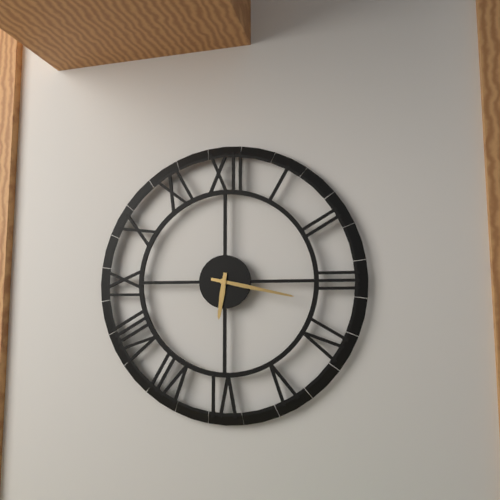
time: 6:17
